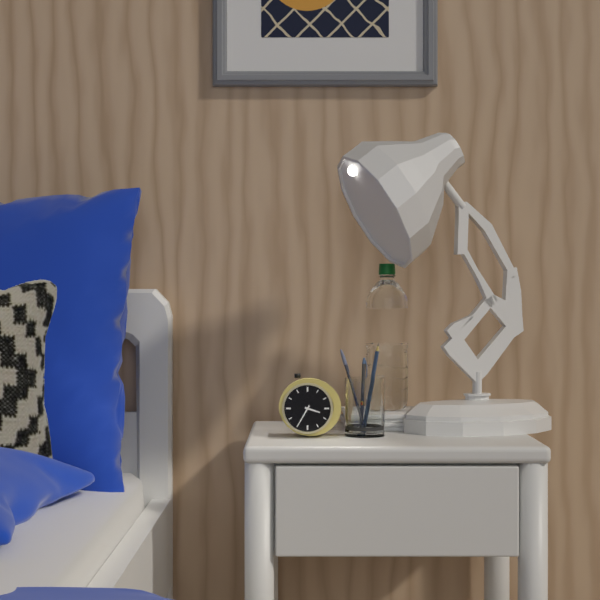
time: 3:35
